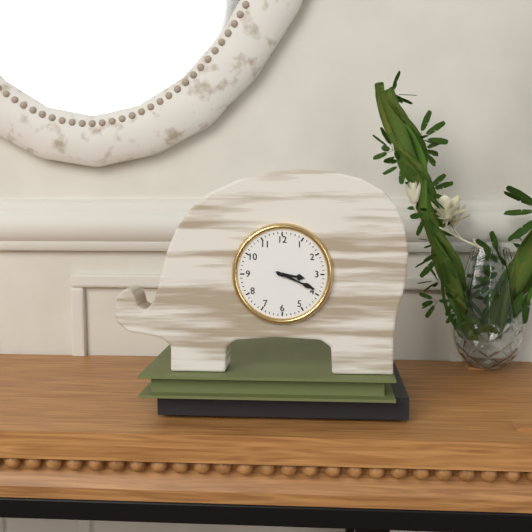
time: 3:19
